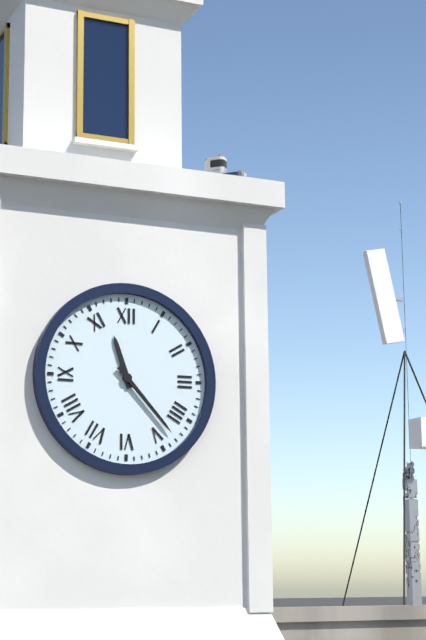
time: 11:23
